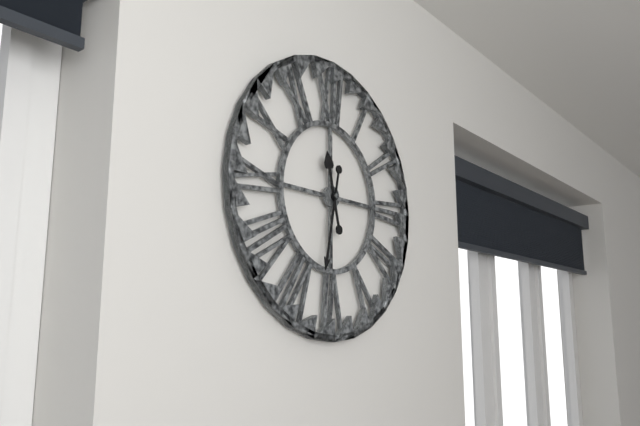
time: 11:32
